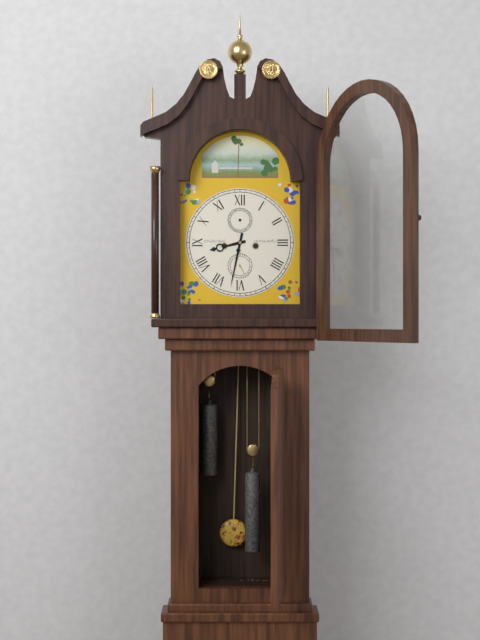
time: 8:32
